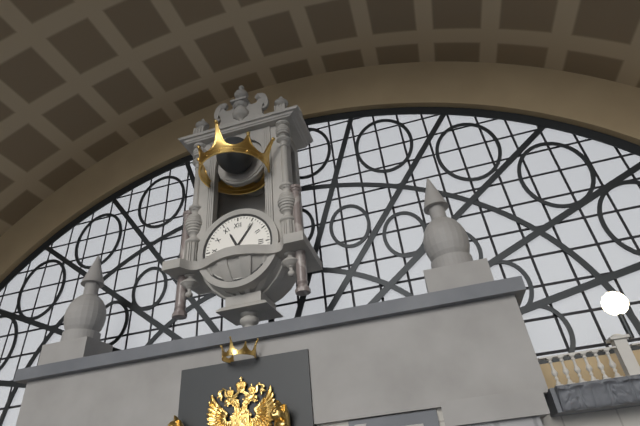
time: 11:06
